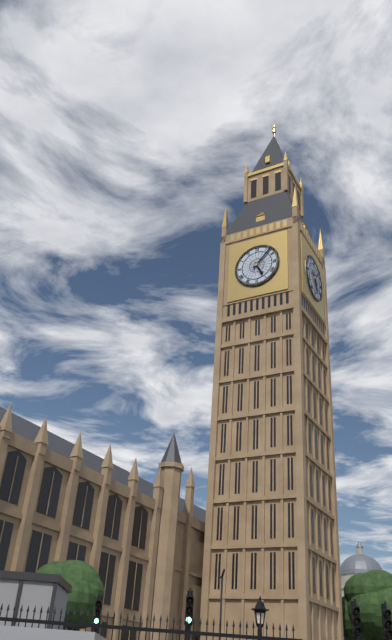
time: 5:07
